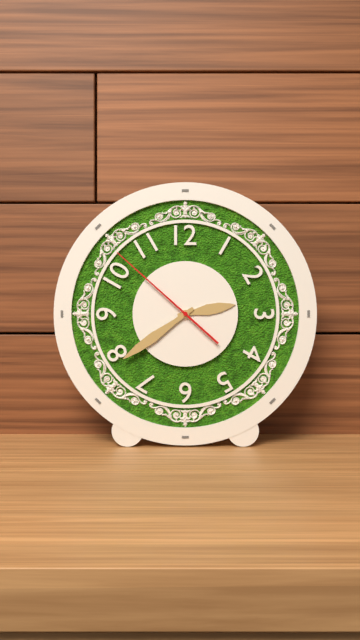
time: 2:39:52
